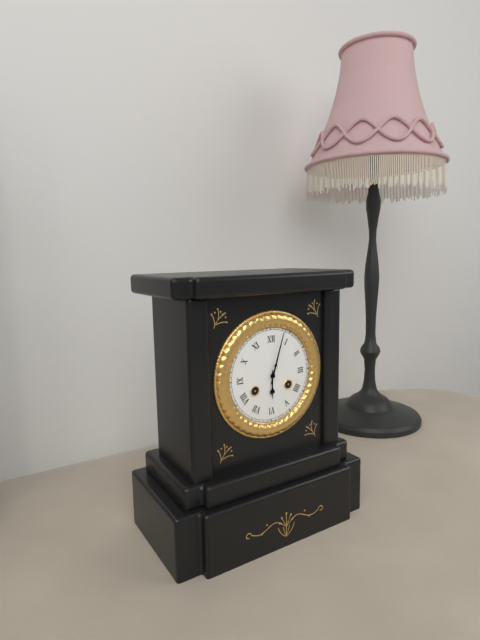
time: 6:03
